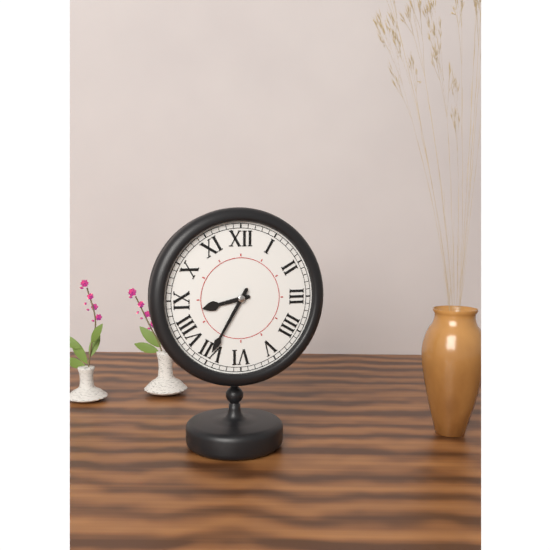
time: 8:35
